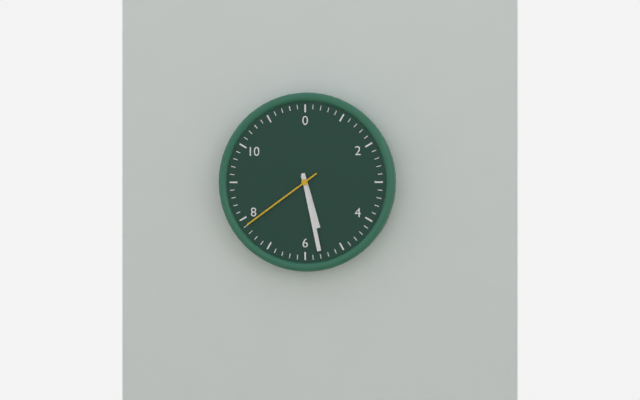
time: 5:28:39
